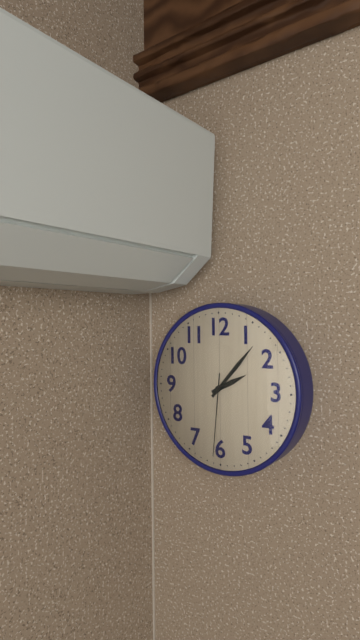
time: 2:07:31
